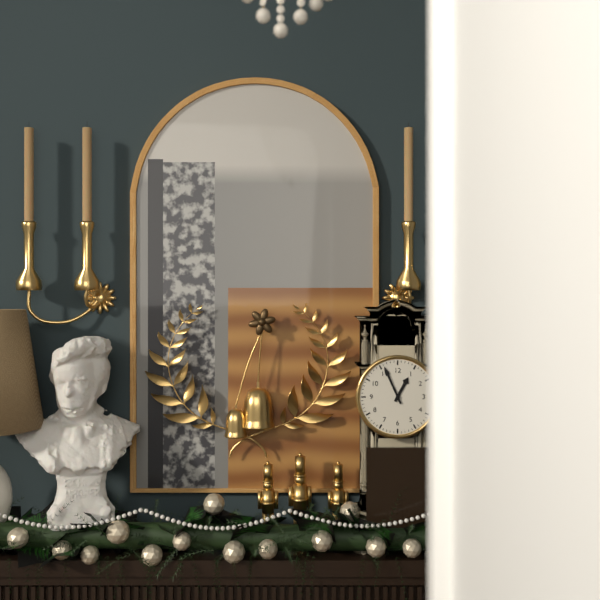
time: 12:56
